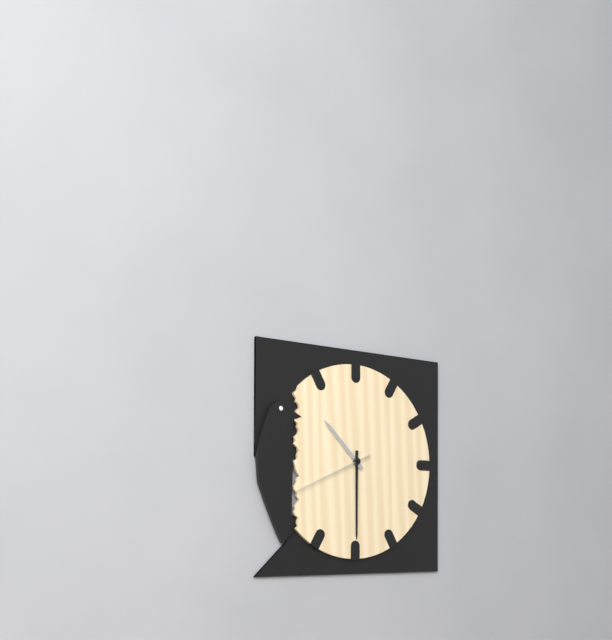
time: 10:30:41
